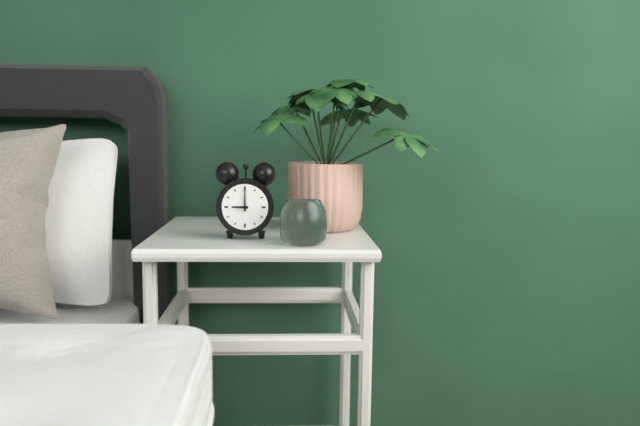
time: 9:00
